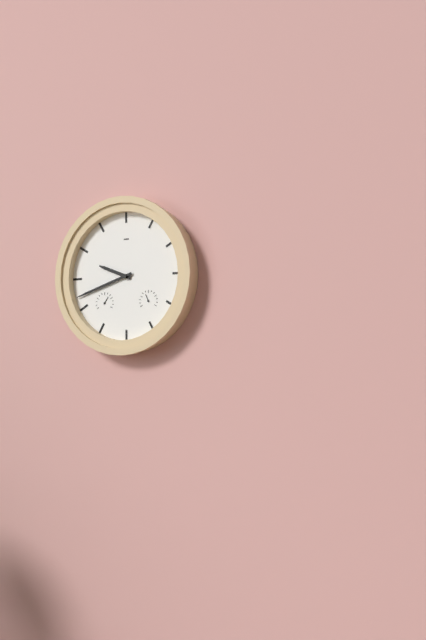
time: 9:42
